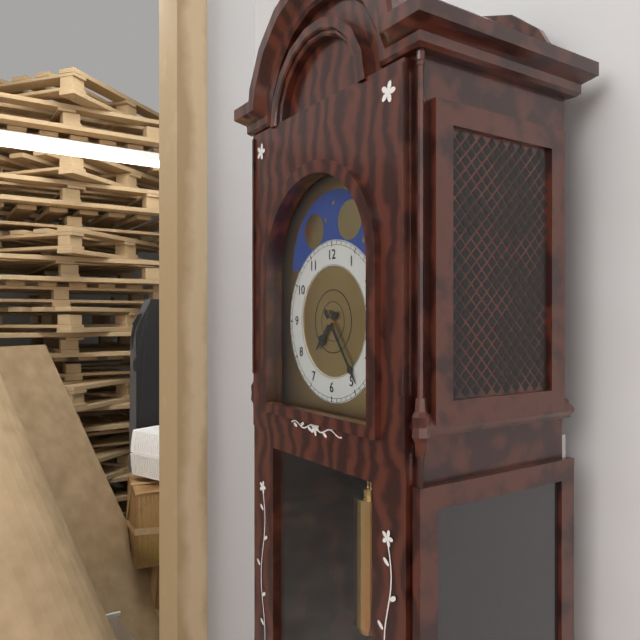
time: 7:24
